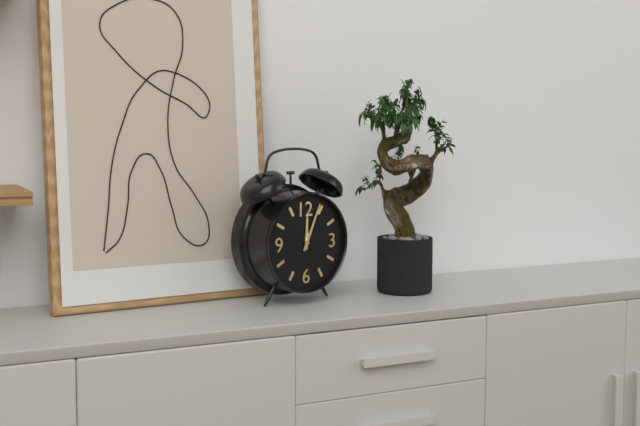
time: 12:04
